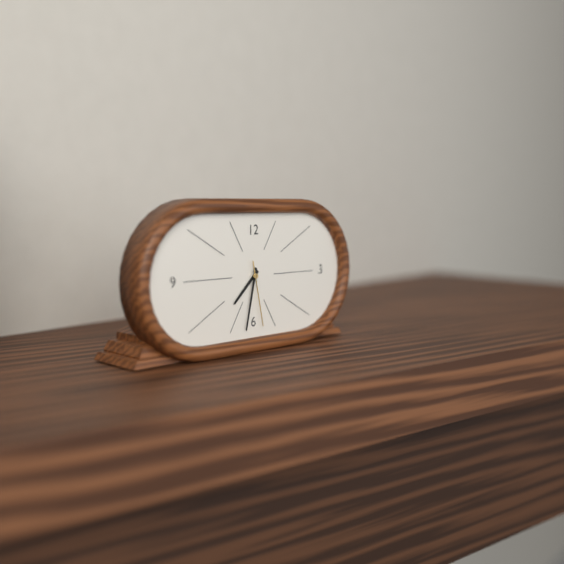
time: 7:32:28
